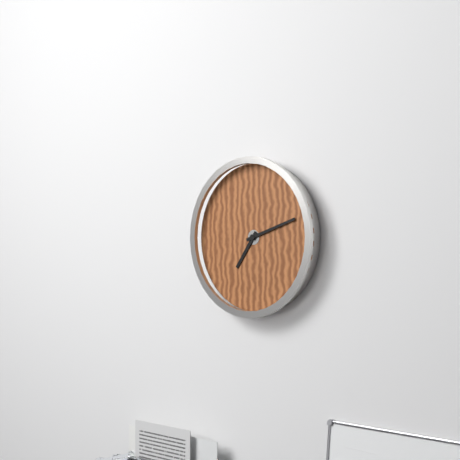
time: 7:12
